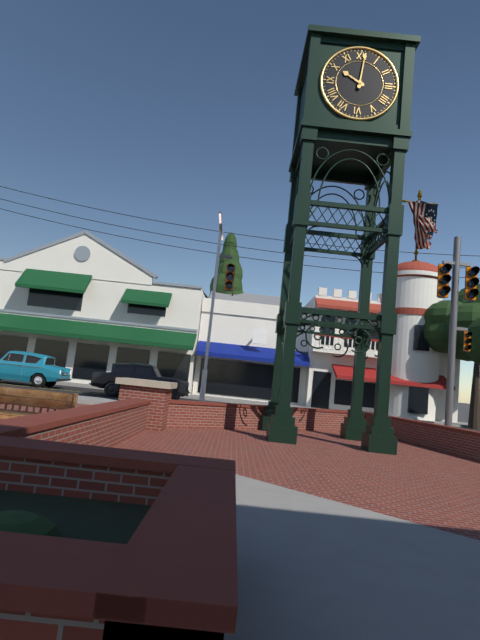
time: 10:01
